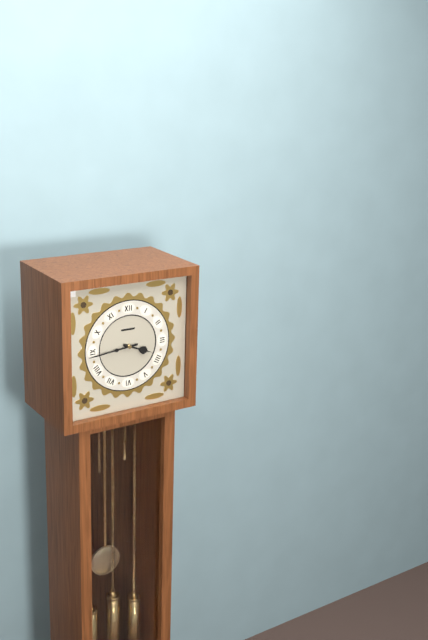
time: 3:44
